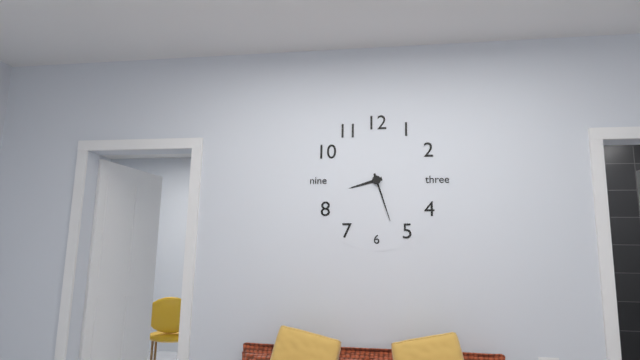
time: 8:27
